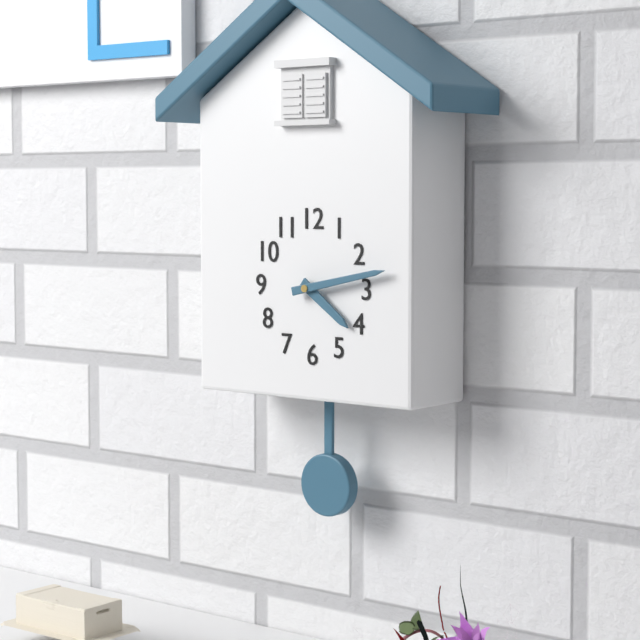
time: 4:13
